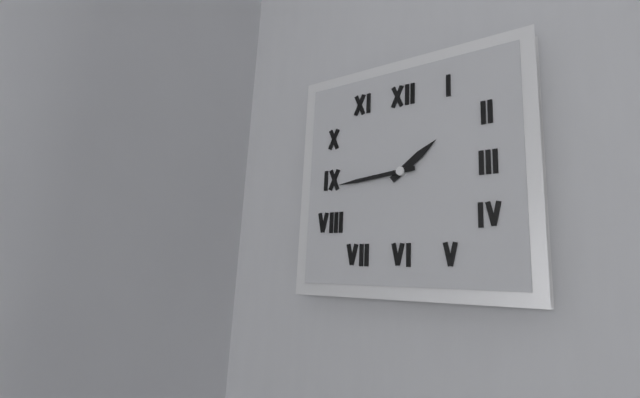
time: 1:44
